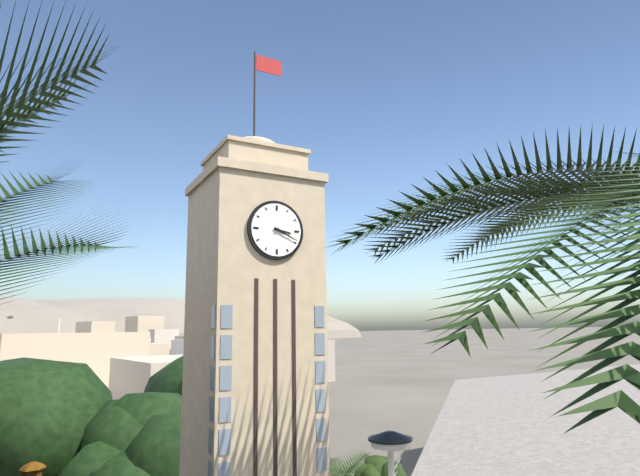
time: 3:19
